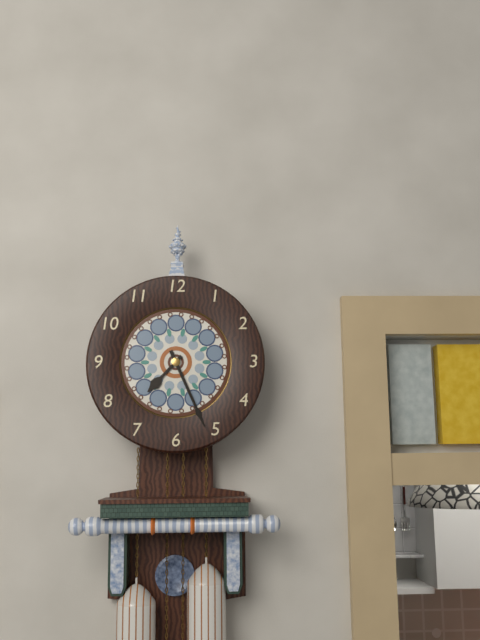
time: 7:26
